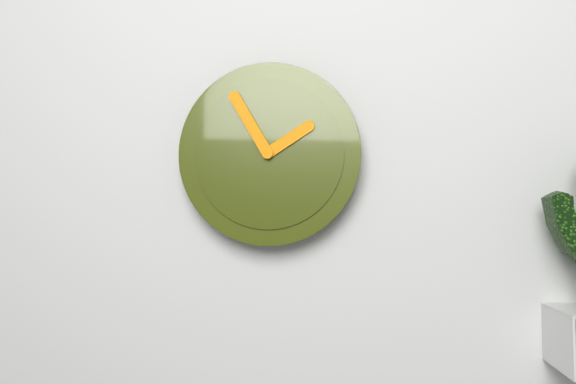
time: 1:55
